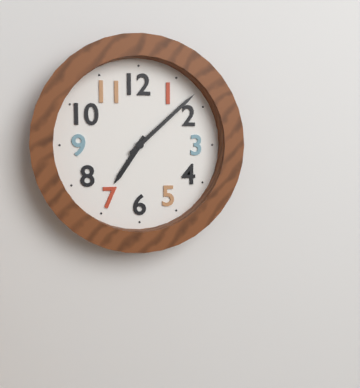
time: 7:08
